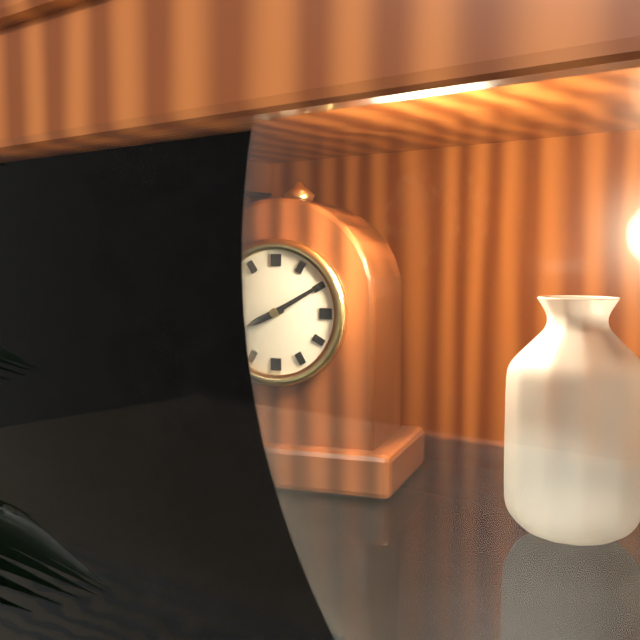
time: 8:10
